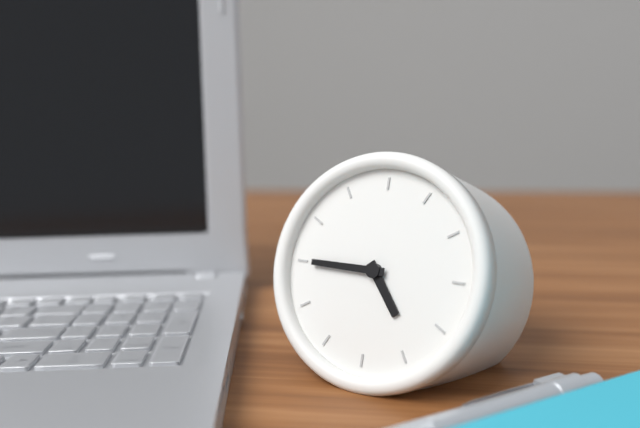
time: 4:45
